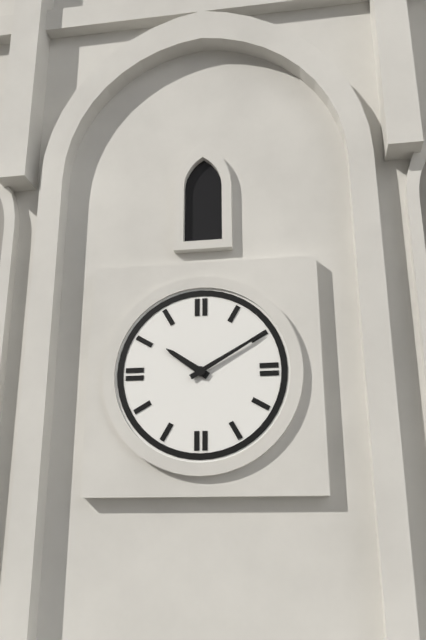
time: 10:10
